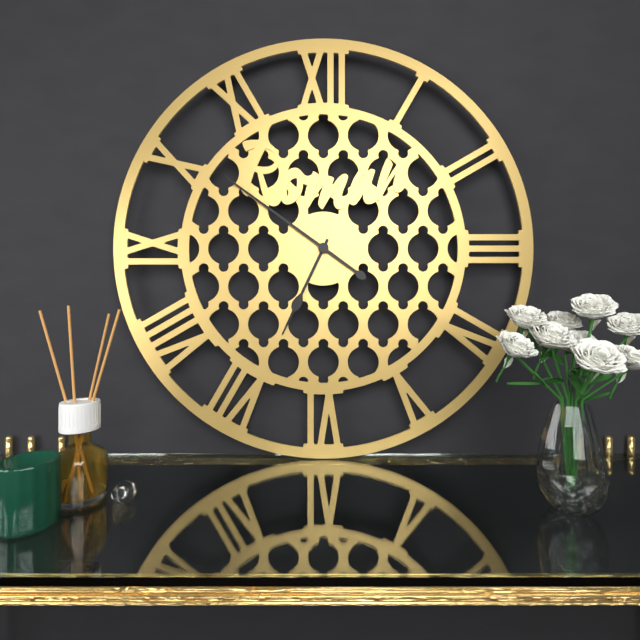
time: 6:51
